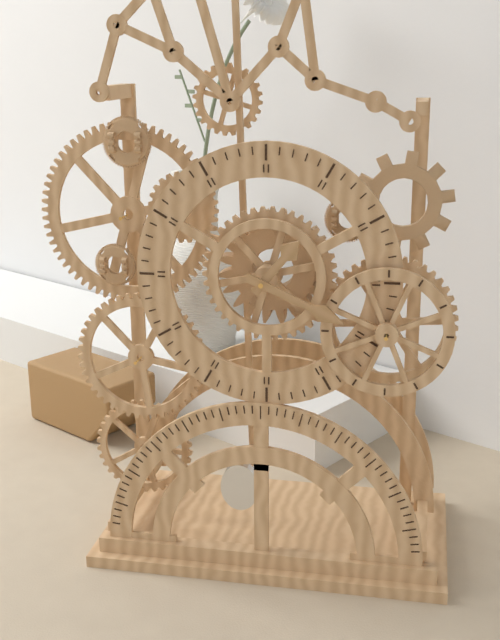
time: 1:19
